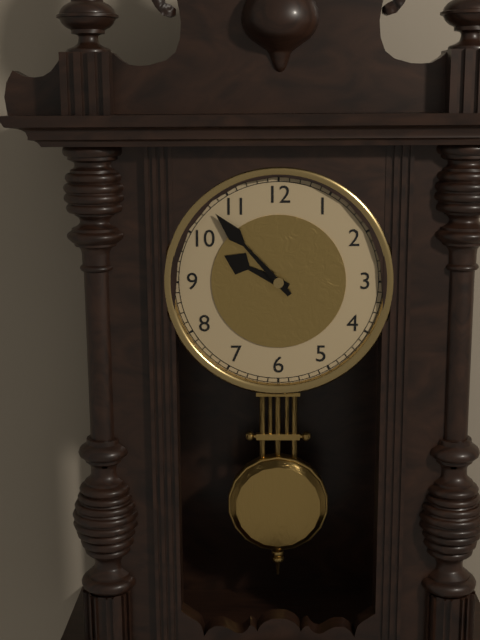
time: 9:53
